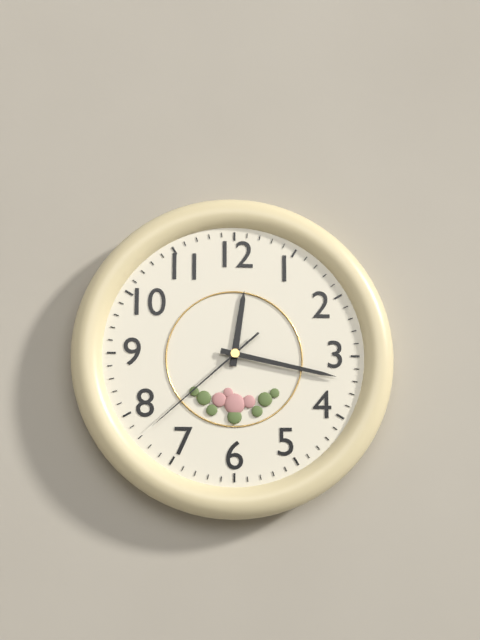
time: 12:17:38
